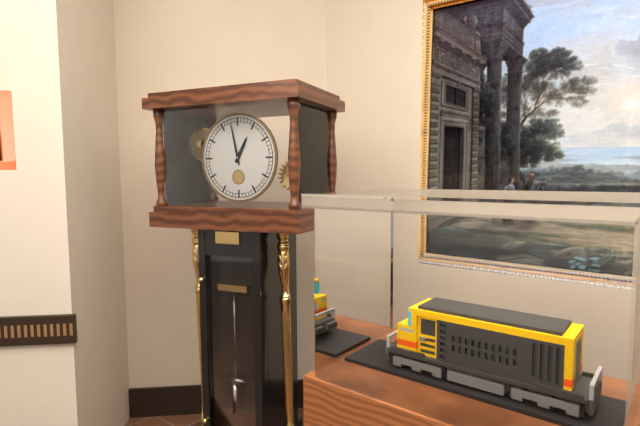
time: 12:58
